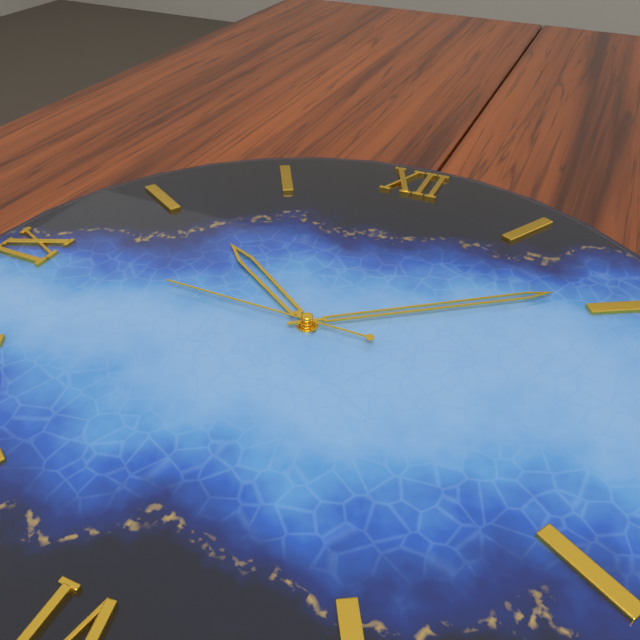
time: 10:09:45
